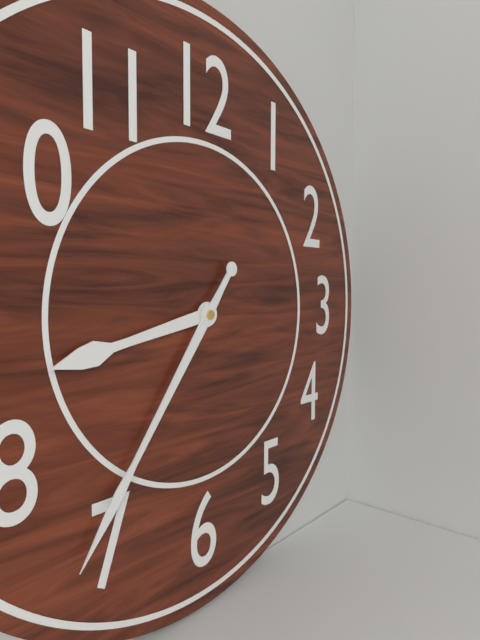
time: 8:36
